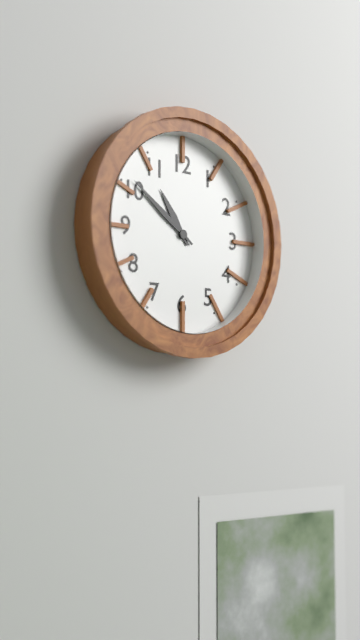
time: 10:51
